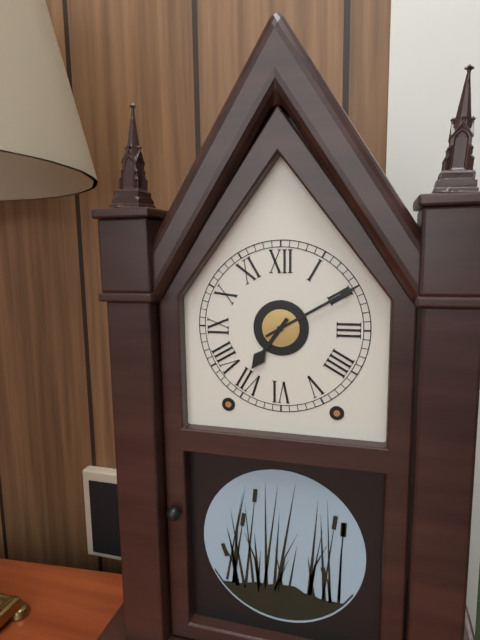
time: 7:10
